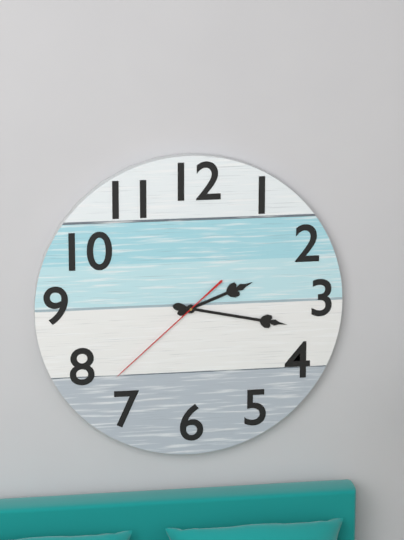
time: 2:17:38
